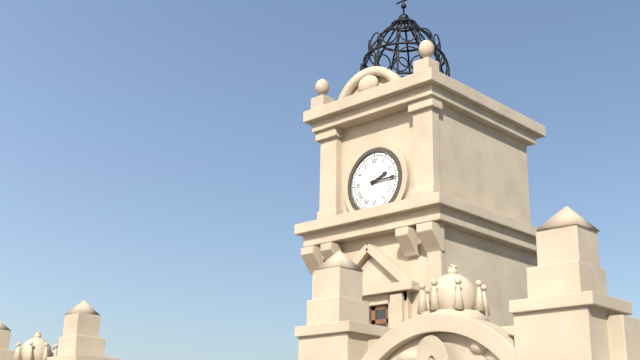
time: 2:15
